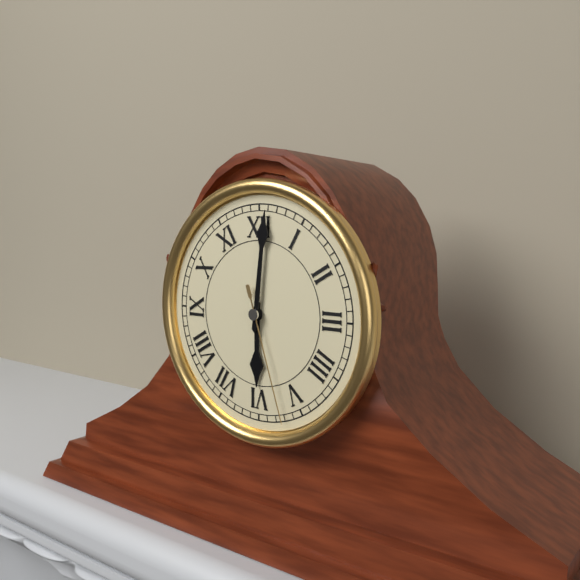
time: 6:01:27
